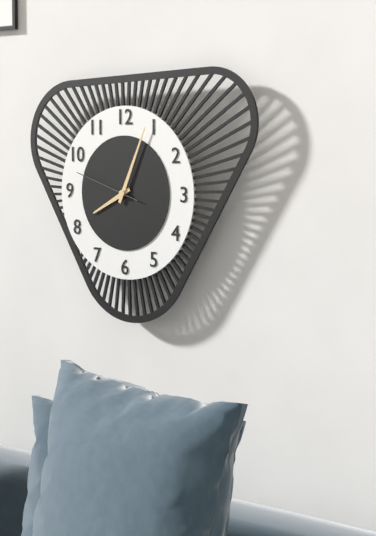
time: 8:04:48
